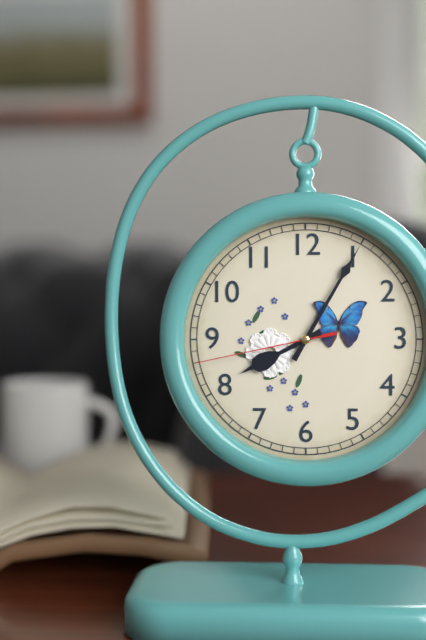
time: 8:05:43
